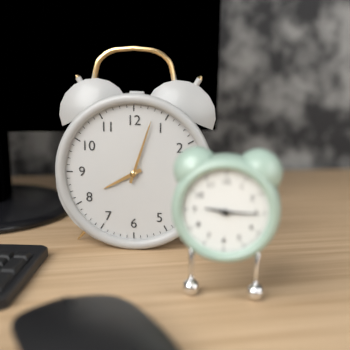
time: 8:03
